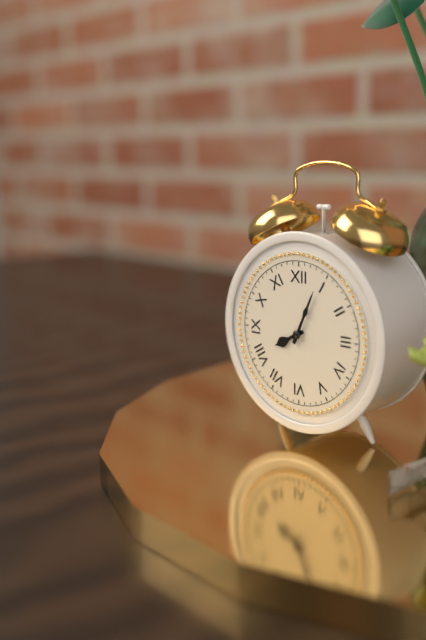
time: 8:04
